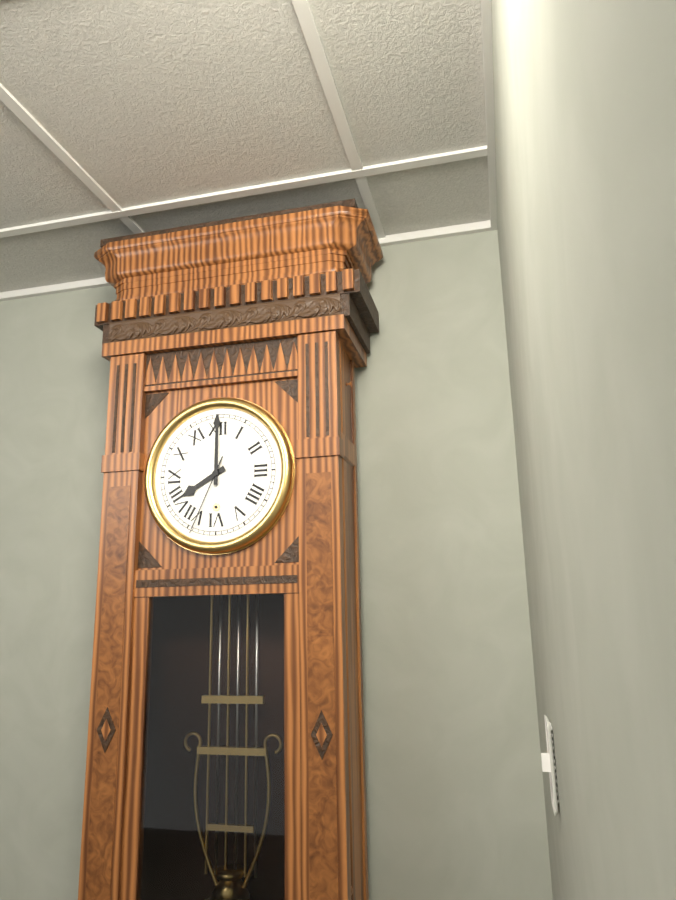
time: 8:00:34
